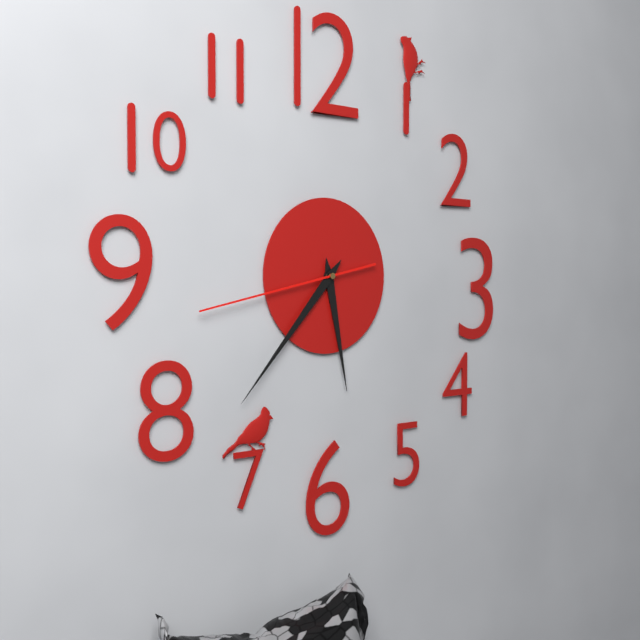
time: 5:37:43
